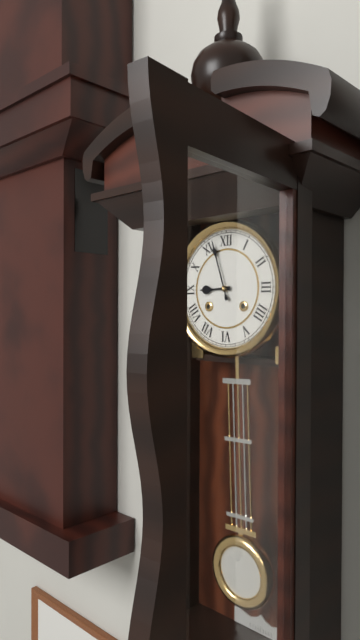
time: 8:57
